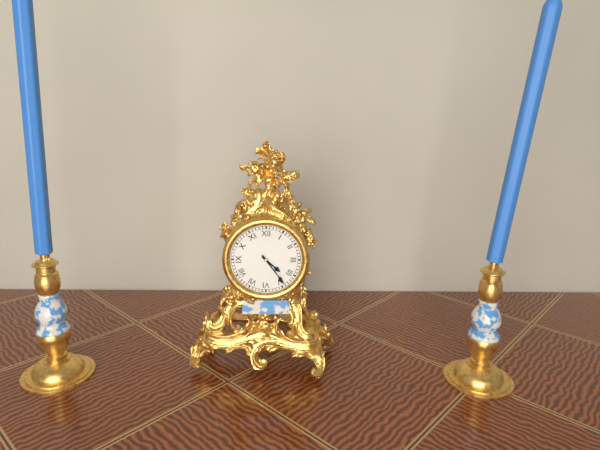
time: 4:24
